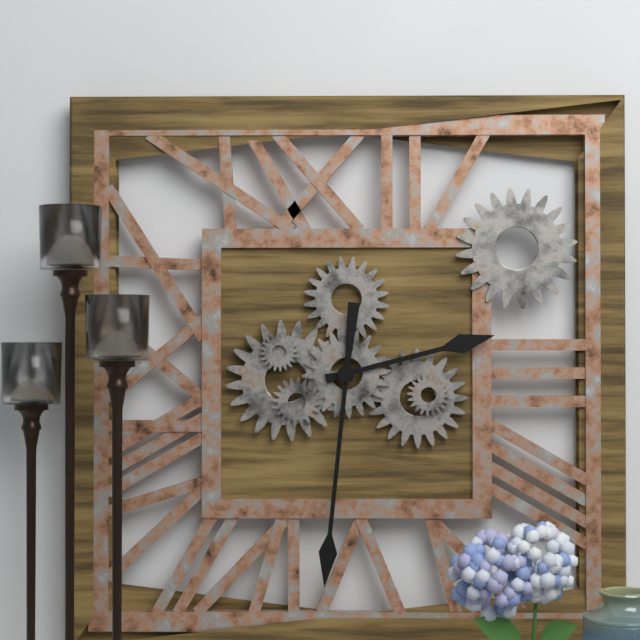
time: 2:31
